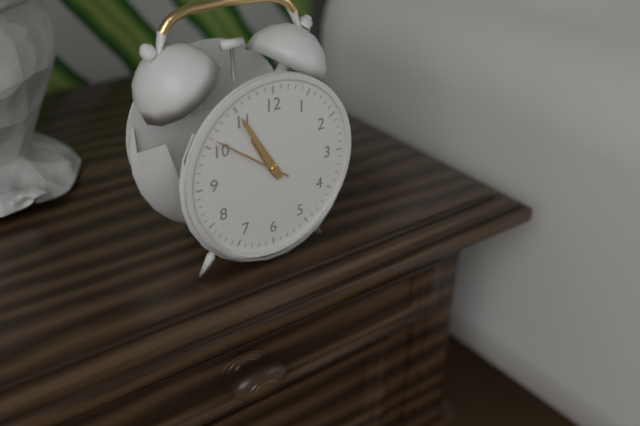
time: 10:55:51
